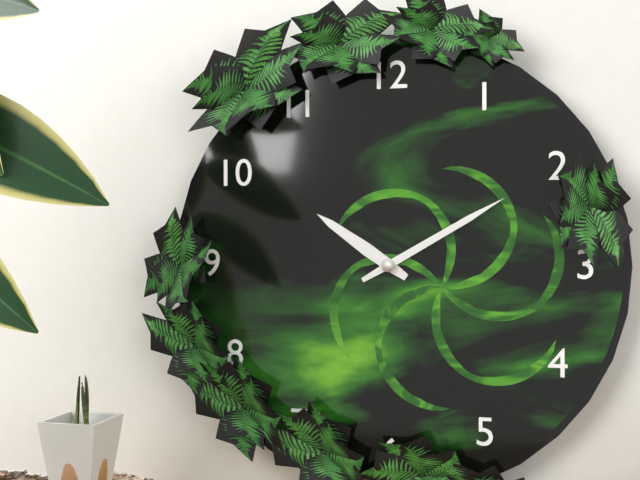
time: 10:10
